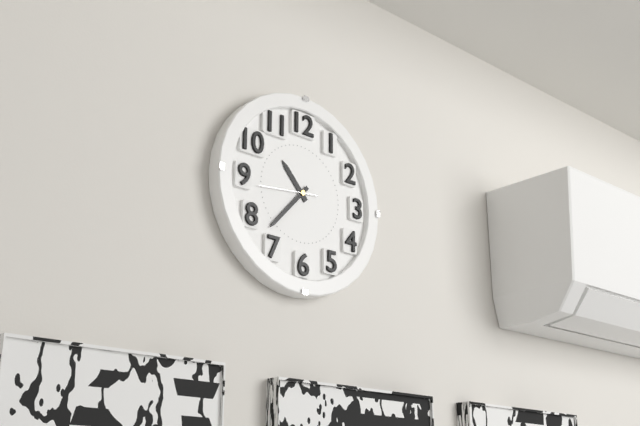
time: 10:37
